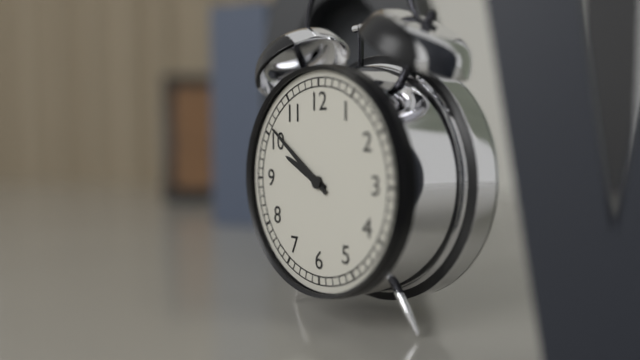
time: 9:51
